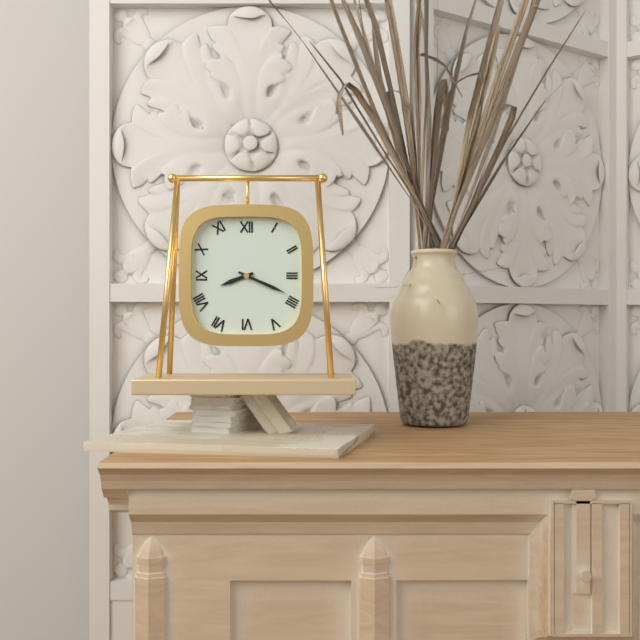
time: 8:19
